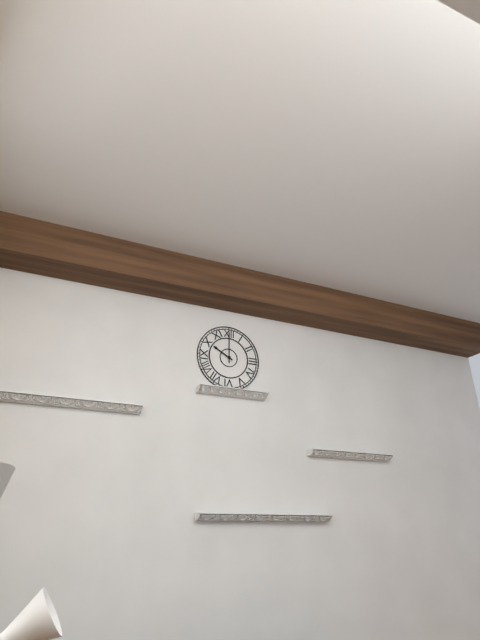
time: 10:00
